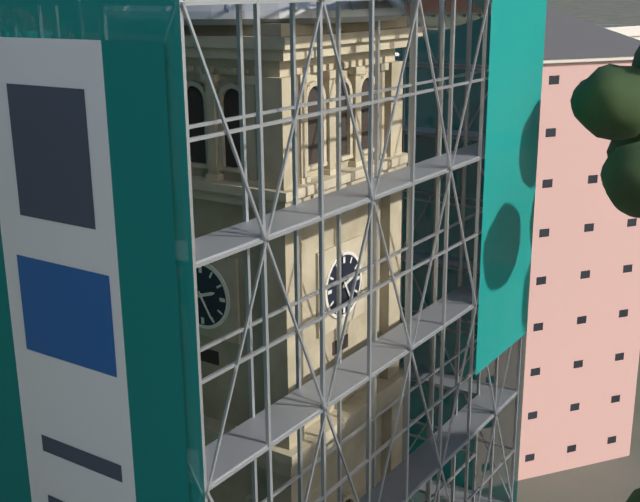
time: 2:25
